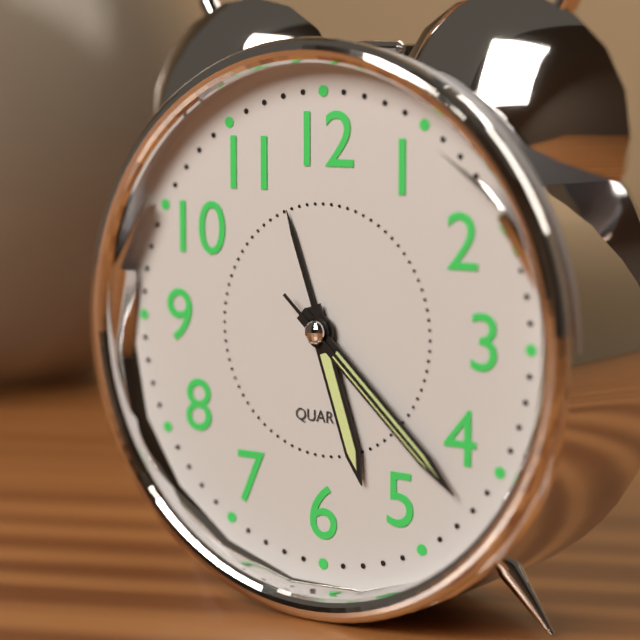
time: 5:22:22
